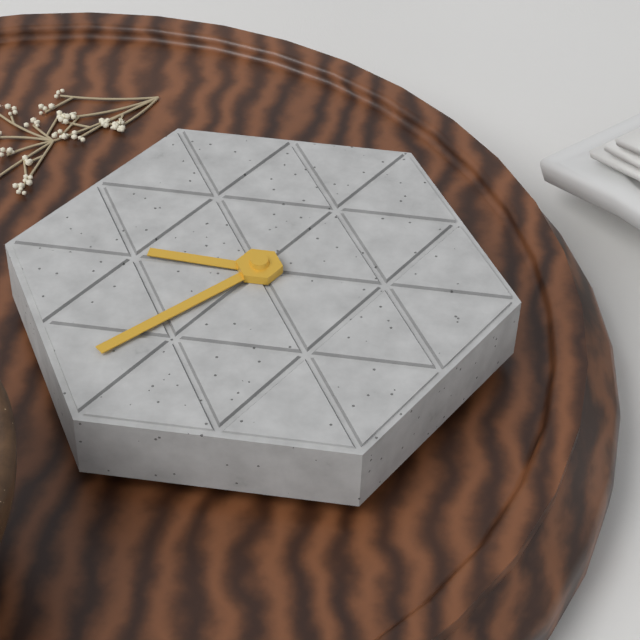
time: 3:07
